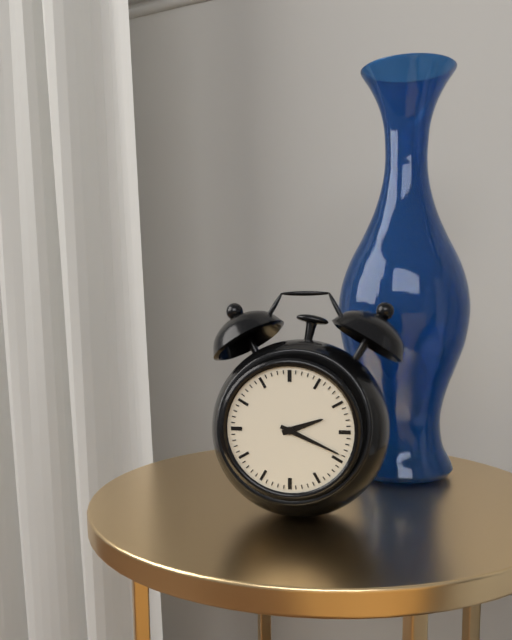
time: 2:19
